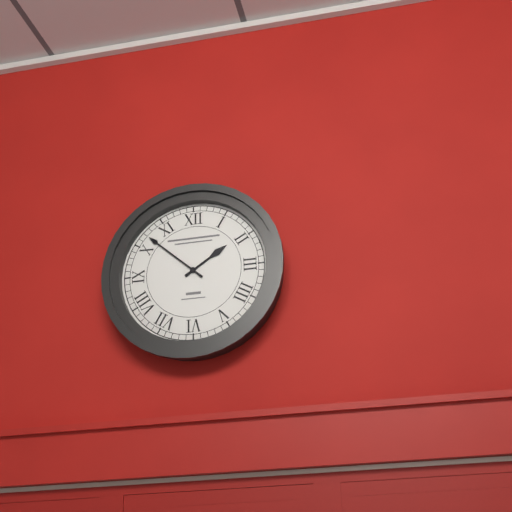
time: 1:52
